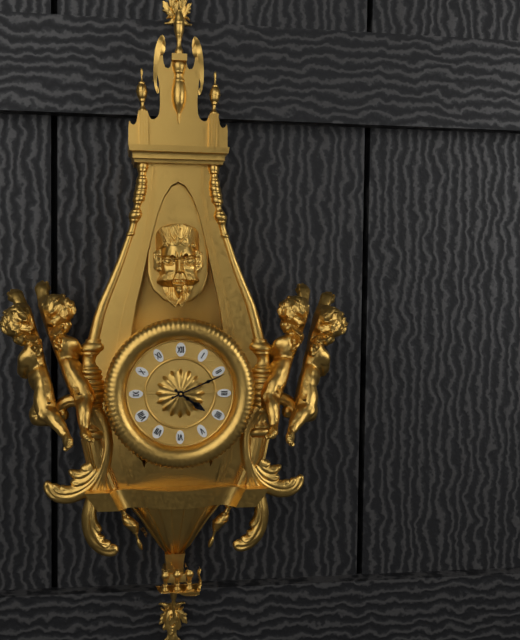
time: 4:11
